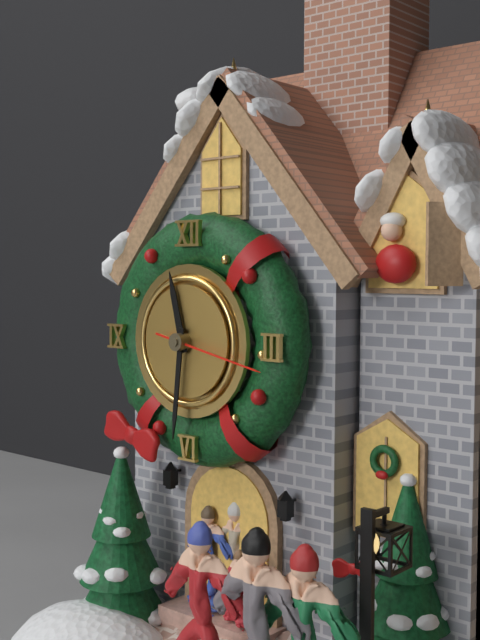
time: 11:31:17
